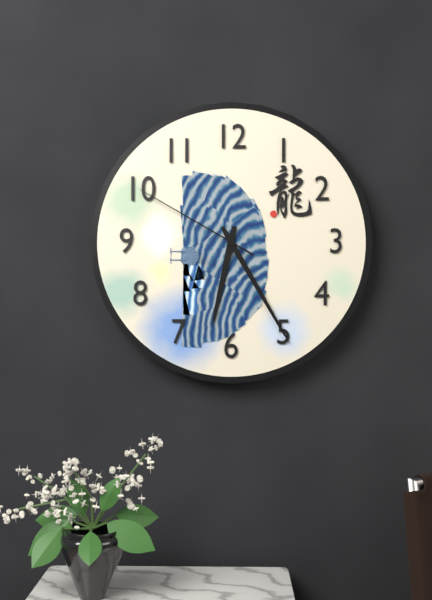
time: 6:25:50
